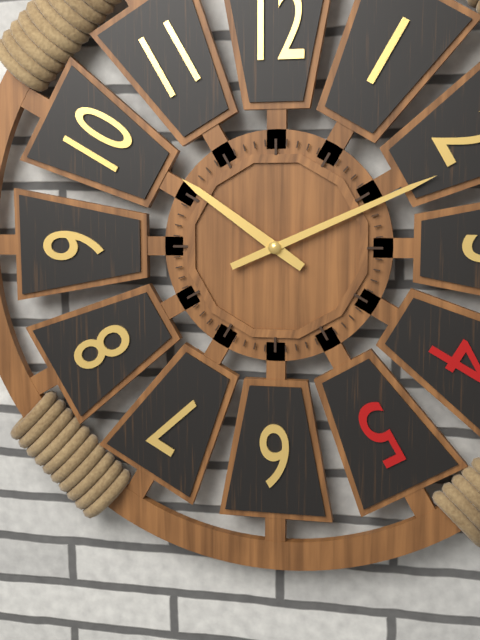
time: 10:11
